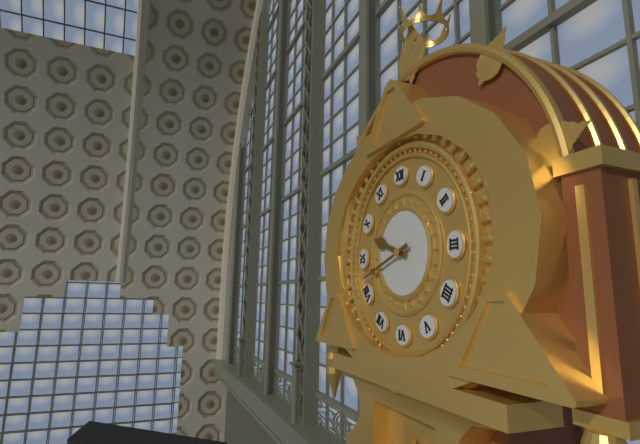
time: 9:42
